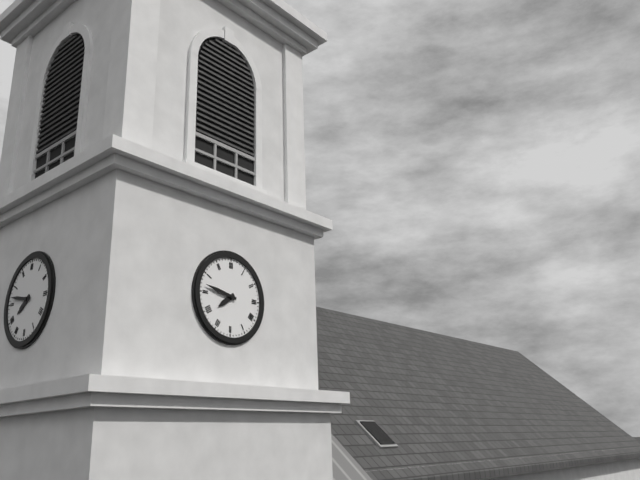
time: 7:47
